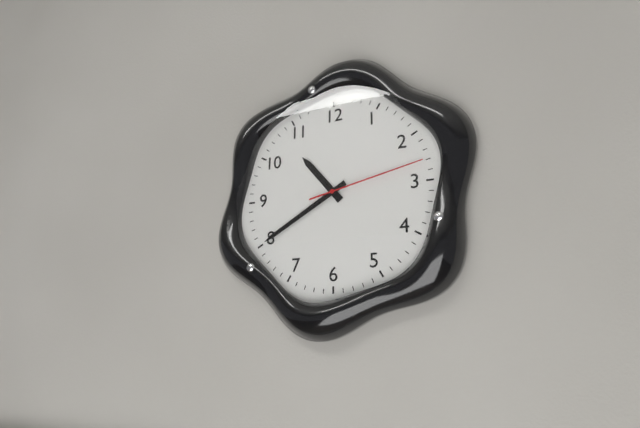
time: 10:40:13
